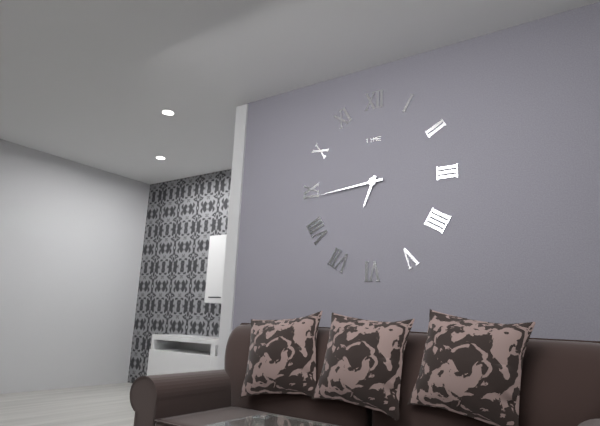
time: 6:44
